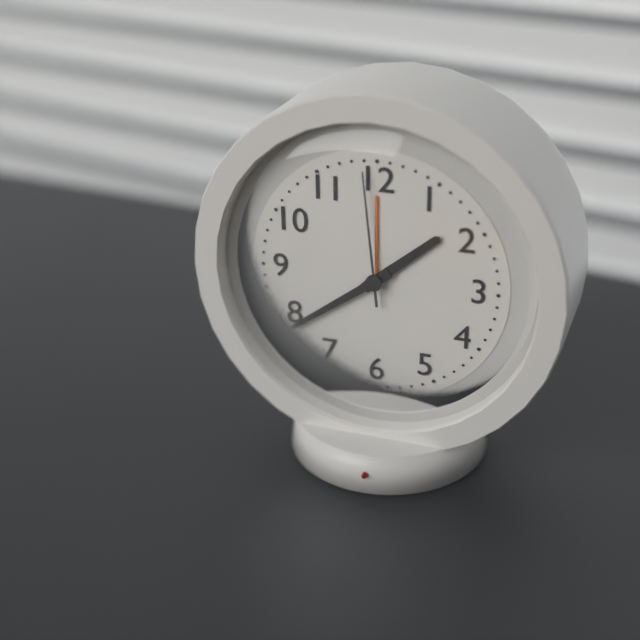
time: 1:39:59
